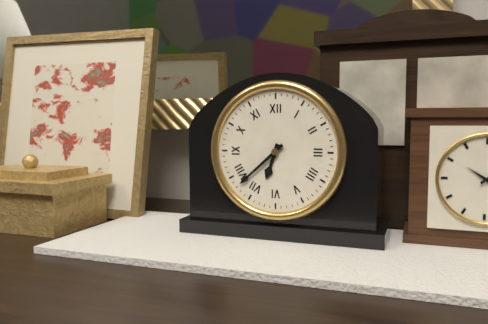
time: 6:38
